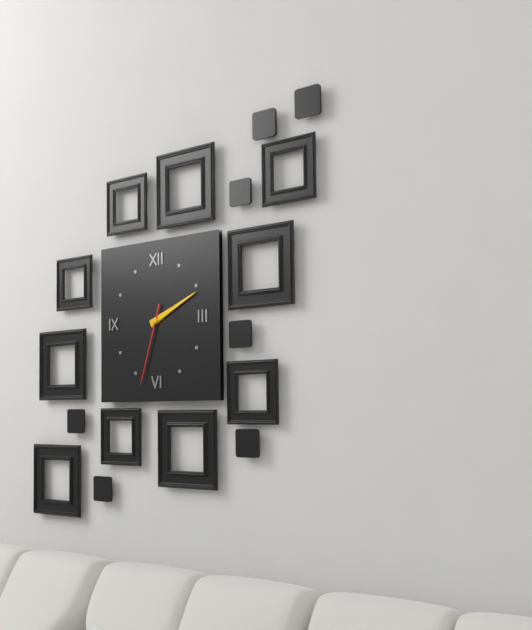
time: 2:11:33
